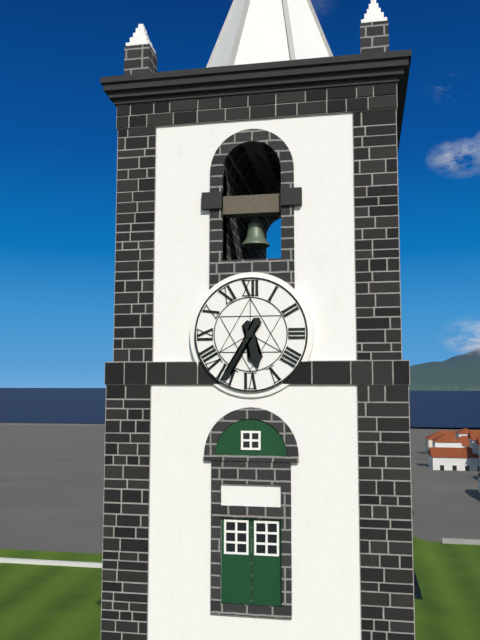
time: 5:35
